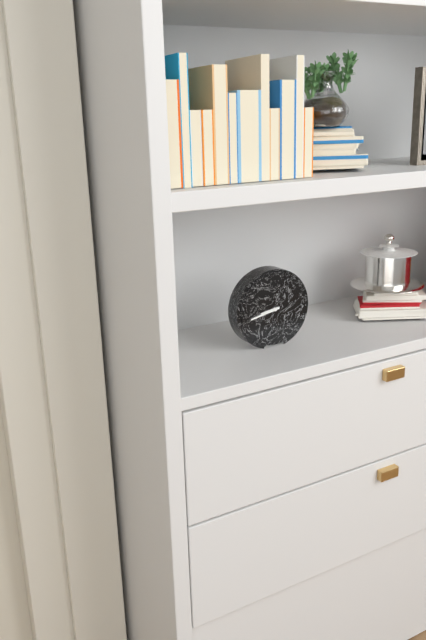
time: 8:43
